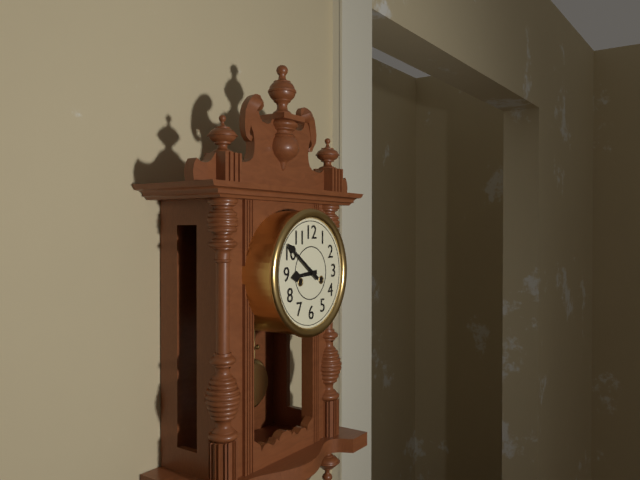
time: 8:51
